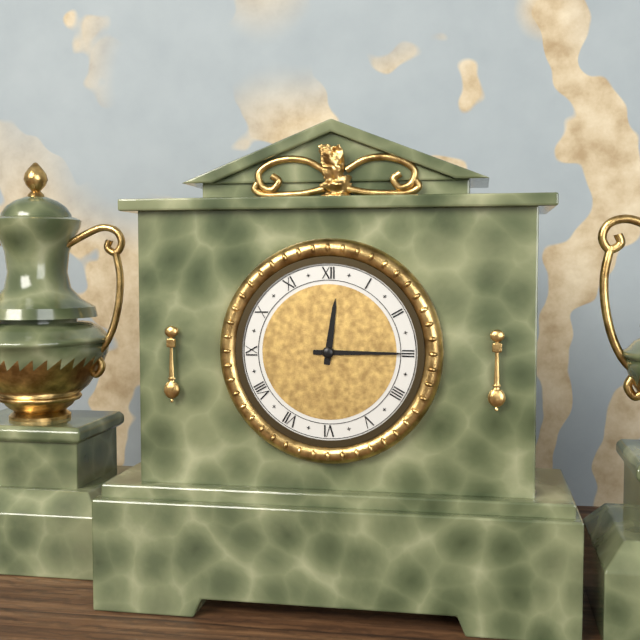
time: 12:15
